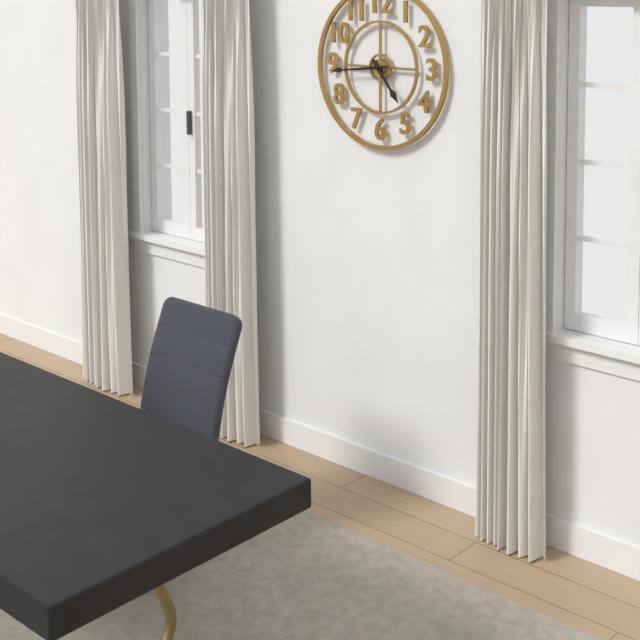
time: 4:44
